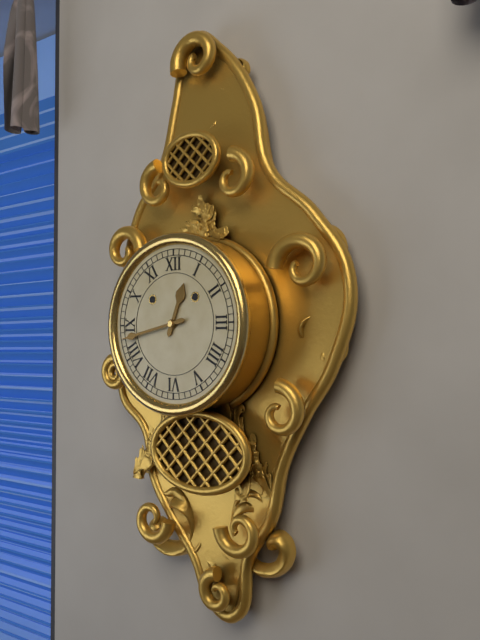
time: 12:43
